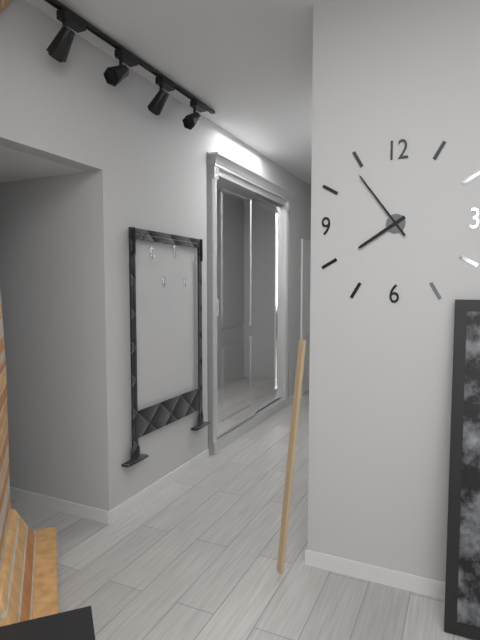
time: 7:54
